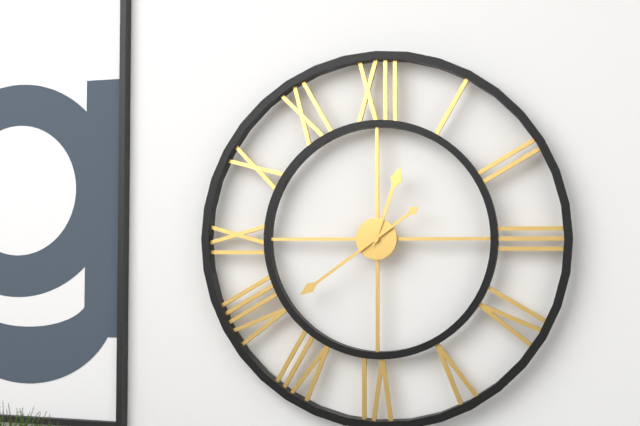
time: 12:39
